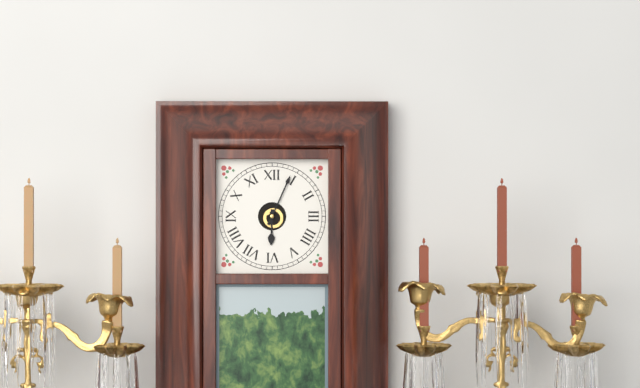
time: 6:04
